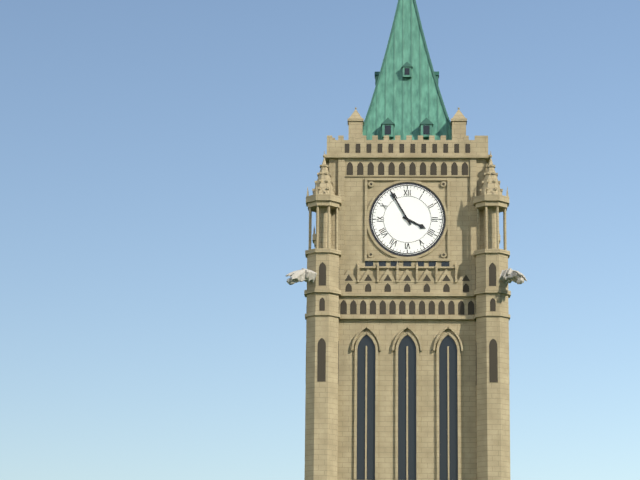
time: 3:55
